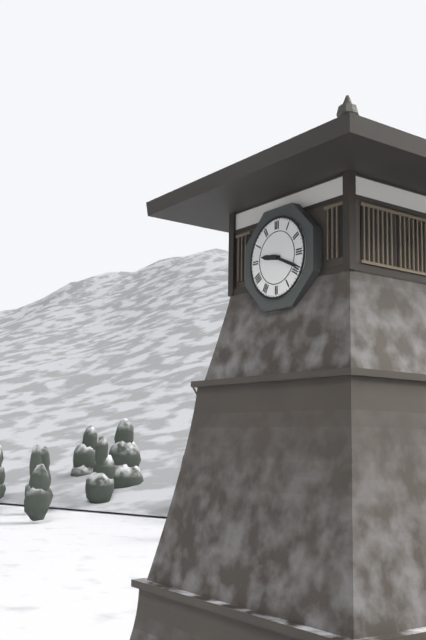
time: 9:19
